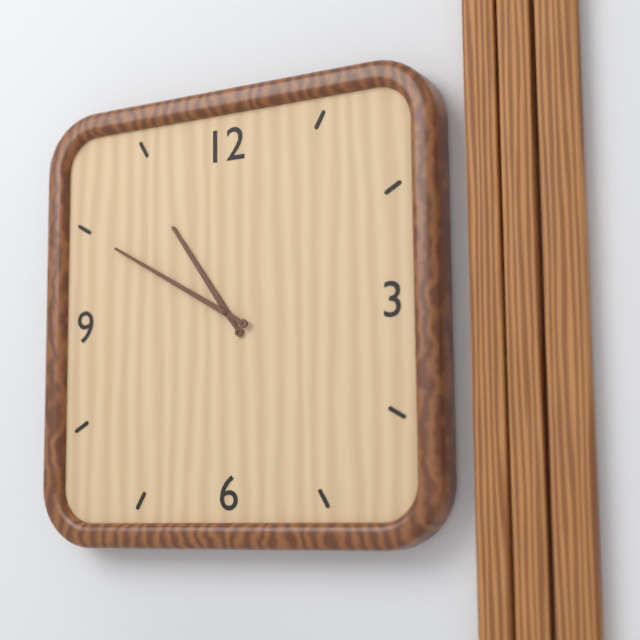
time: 10:50
